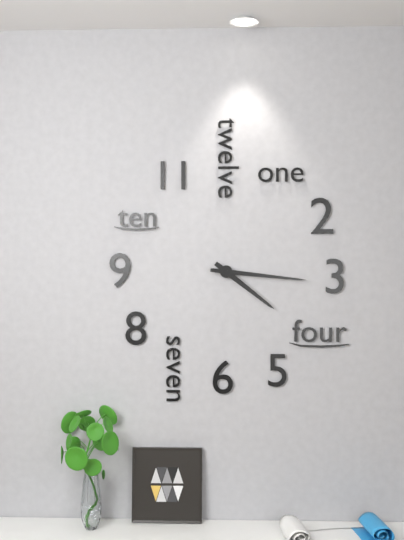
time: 4:16
